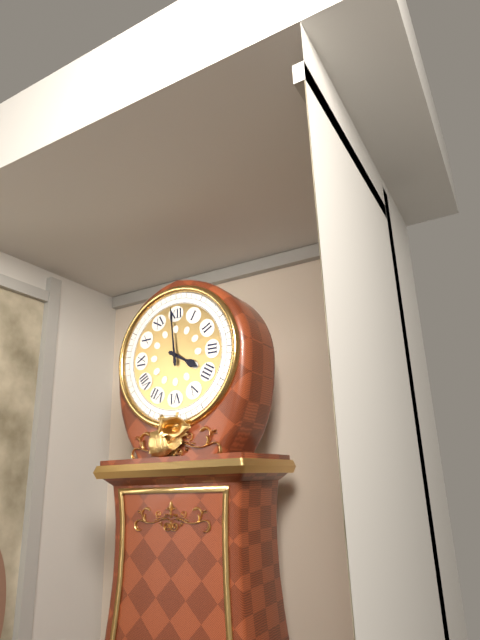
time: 3:59
